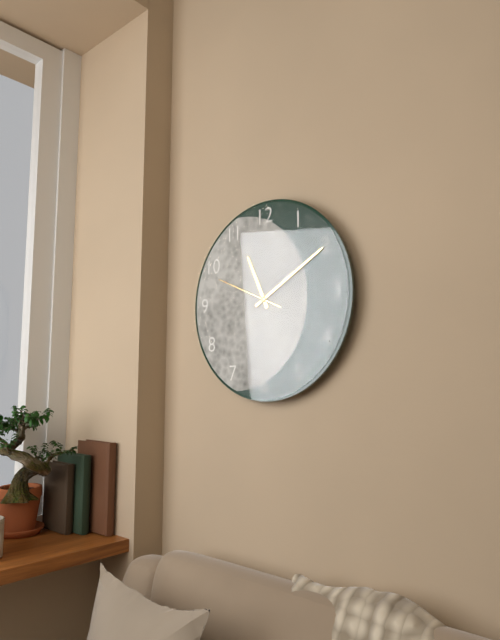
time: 11:10:49
